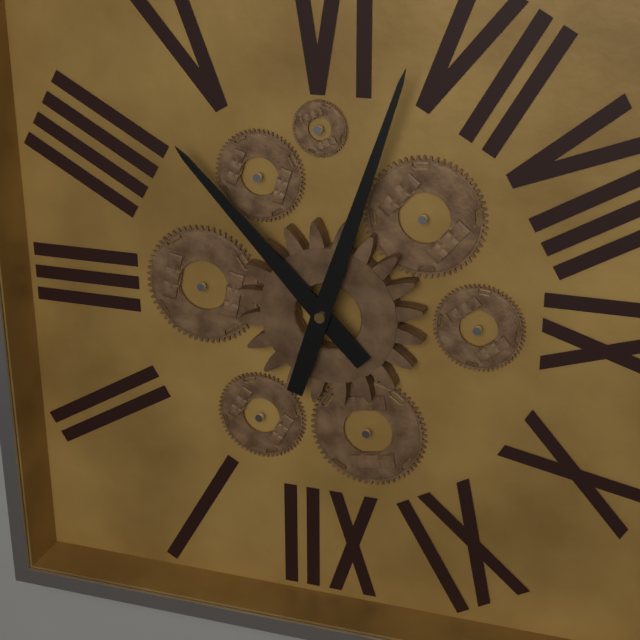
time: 4:33
